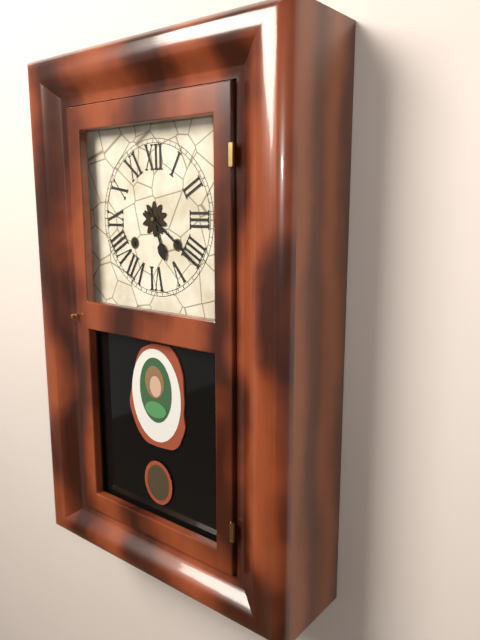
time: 5:21
